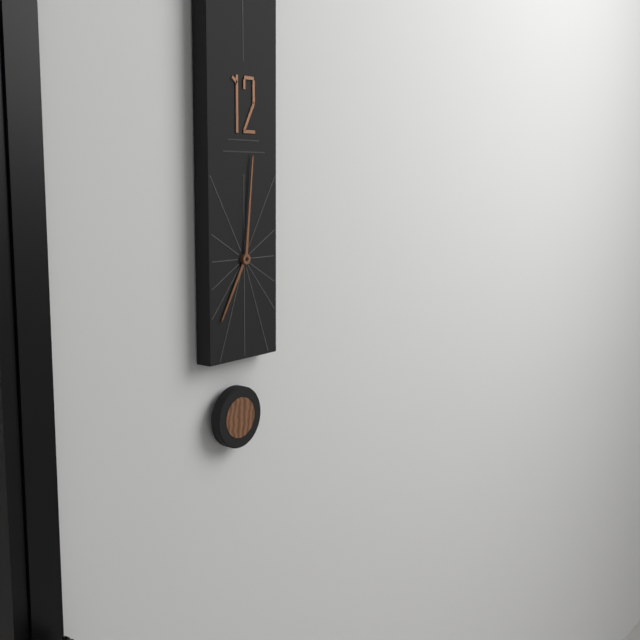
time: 7:01
